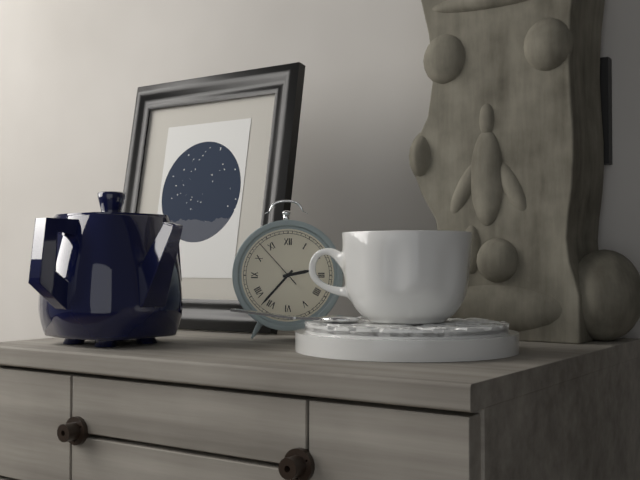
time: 2:37:53
